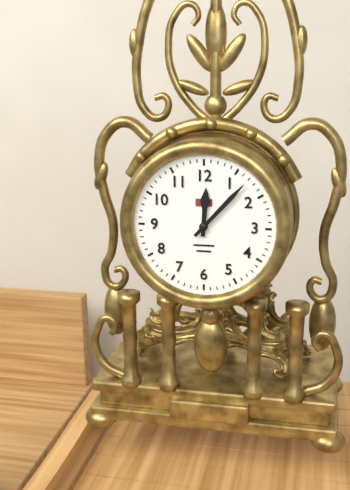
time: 12:07
